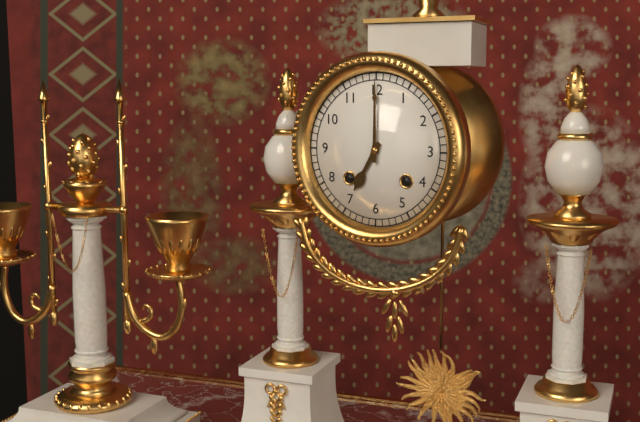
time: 7:00
